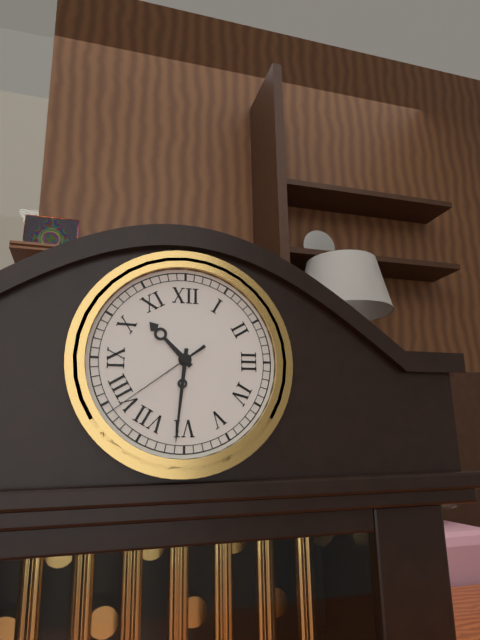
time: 10:31:39
